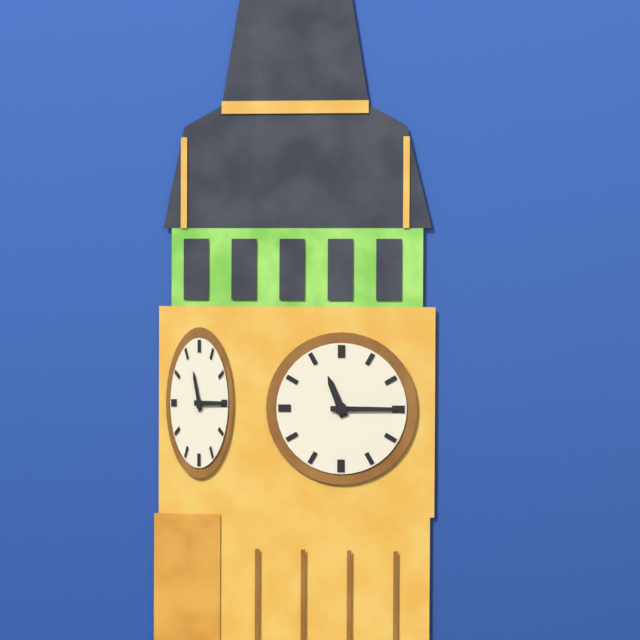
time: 11:15
